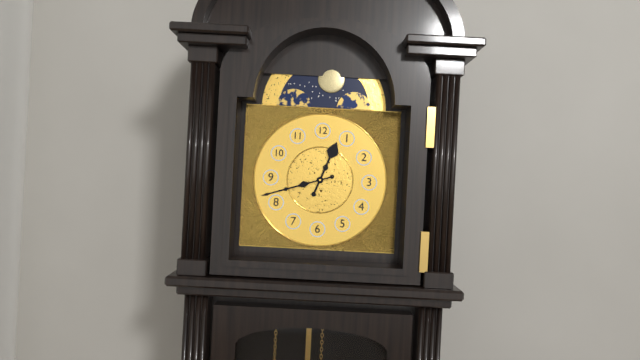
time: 12:42
